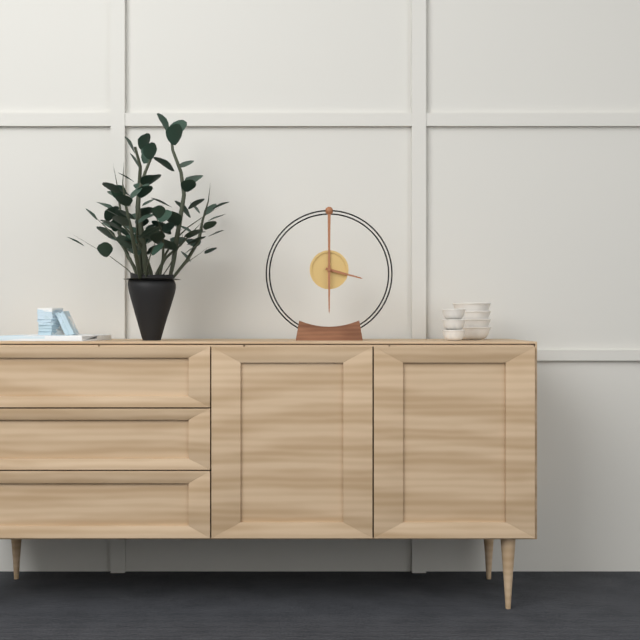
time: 3:30
